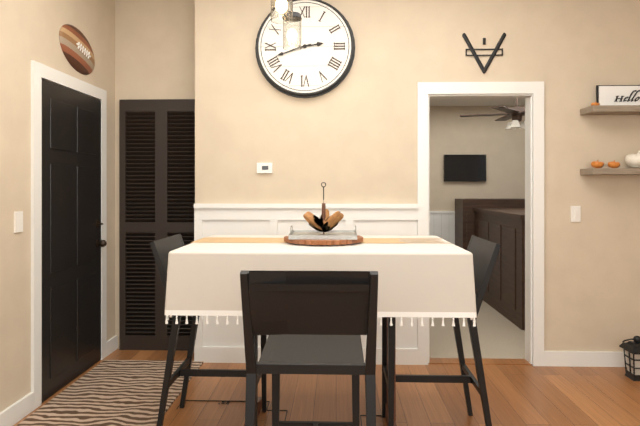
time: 2:42
